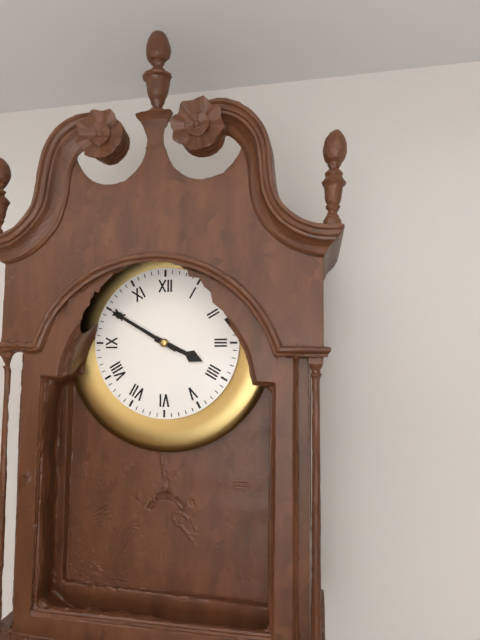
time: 3:50
